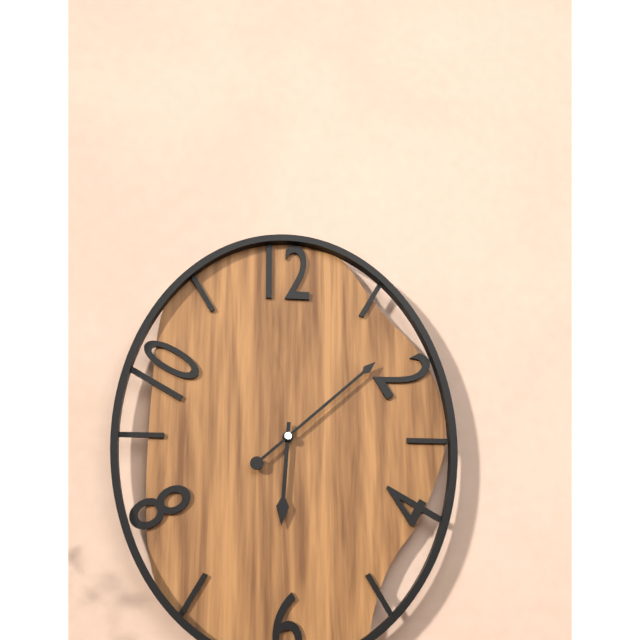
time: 6:08
